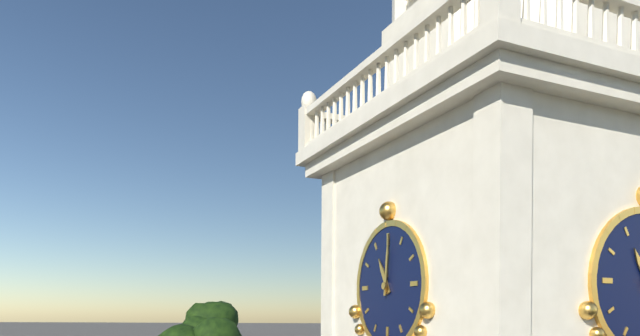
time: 11:01
